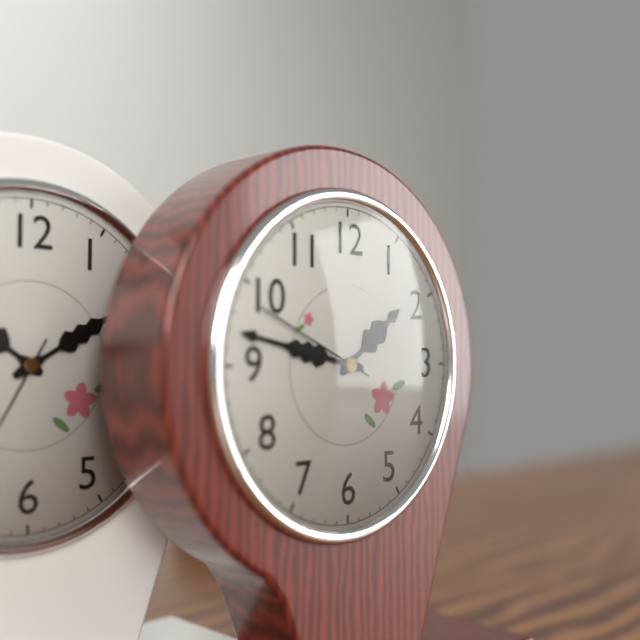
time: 1:47:49
